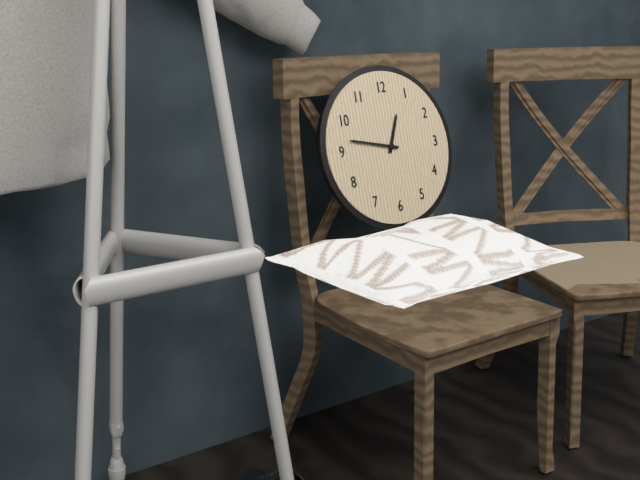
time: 12:47
